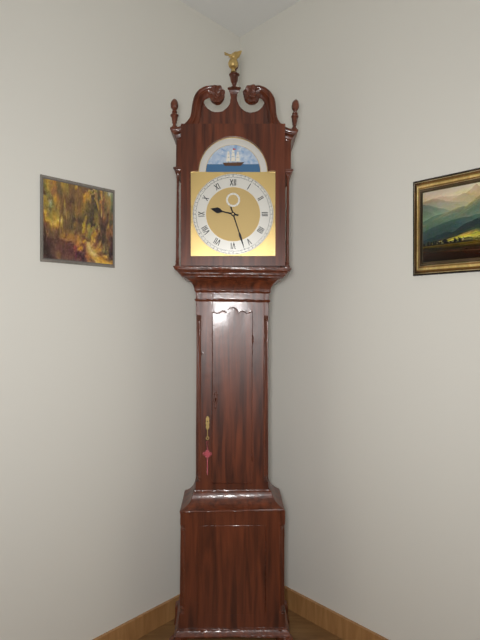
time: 9:27
